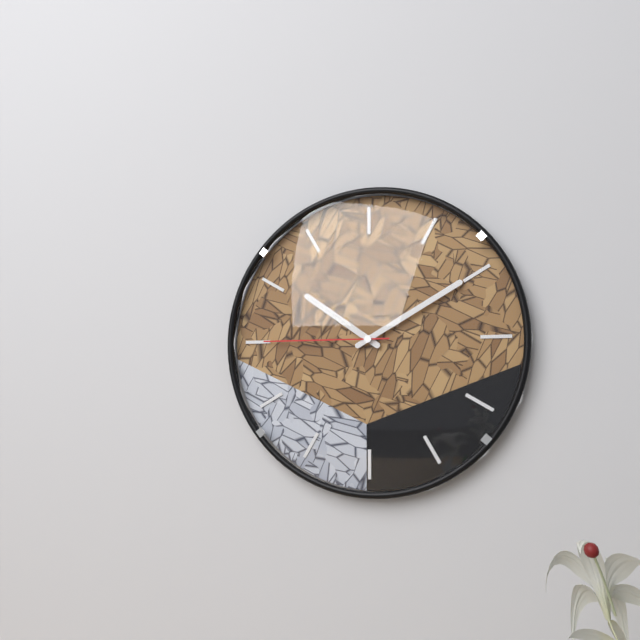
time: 10:10:45
